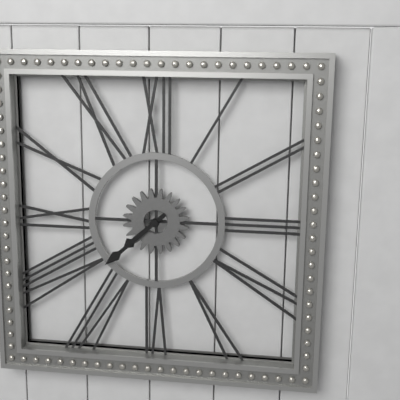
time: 7:38
